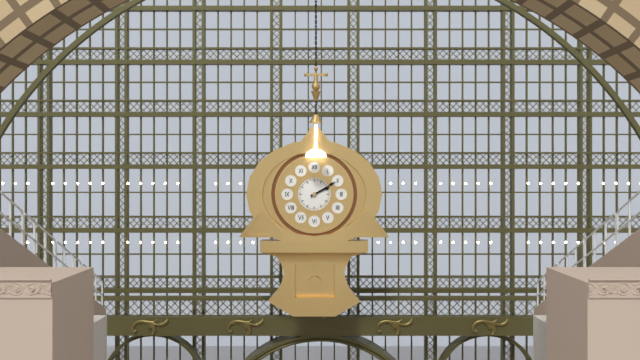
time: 2:10
